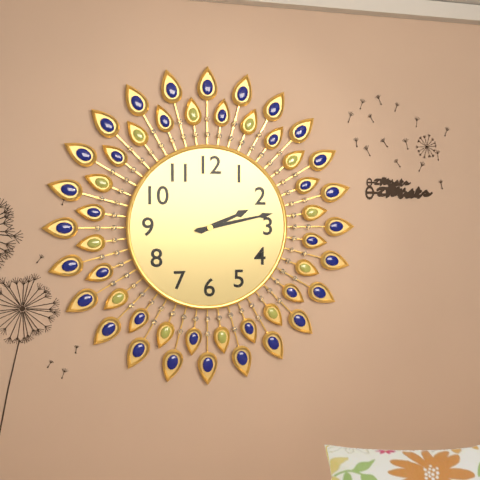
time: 2:13
